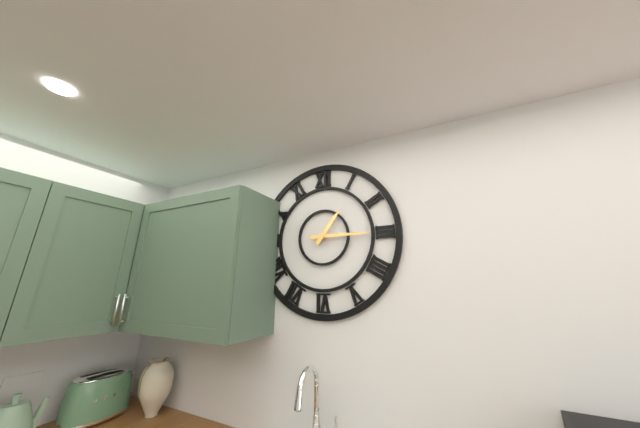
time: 1:15
